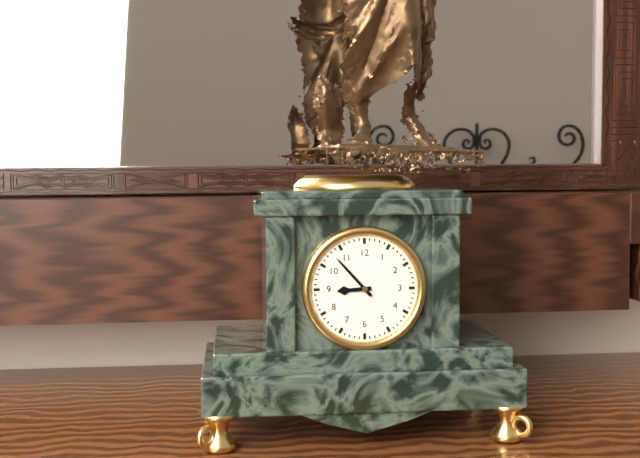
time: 8:53
